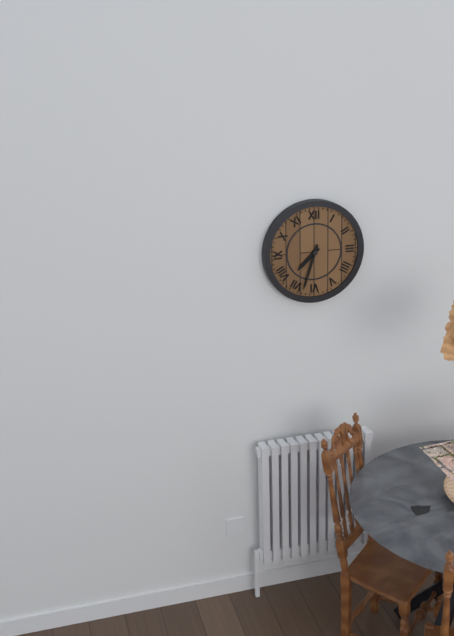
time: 7:33
